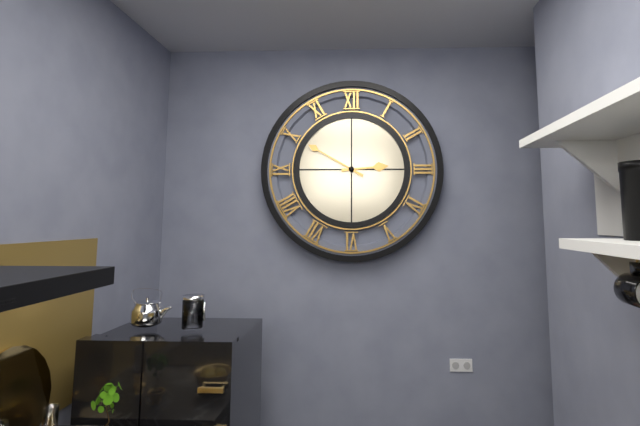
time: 2:50
